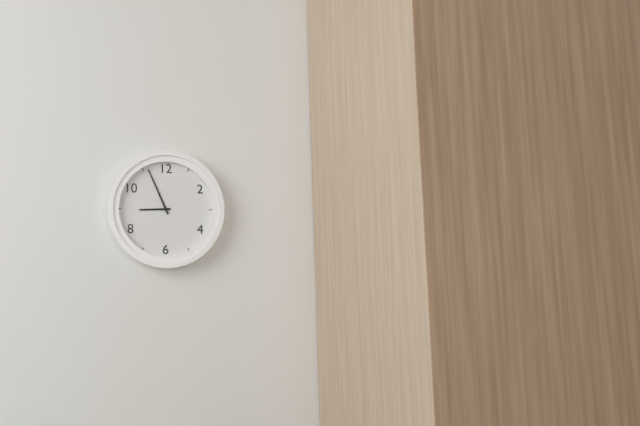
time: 8:56
